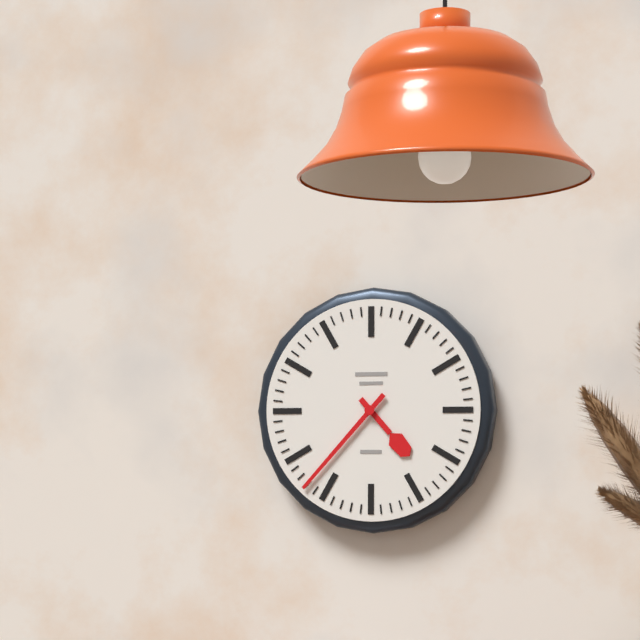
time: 4:37
